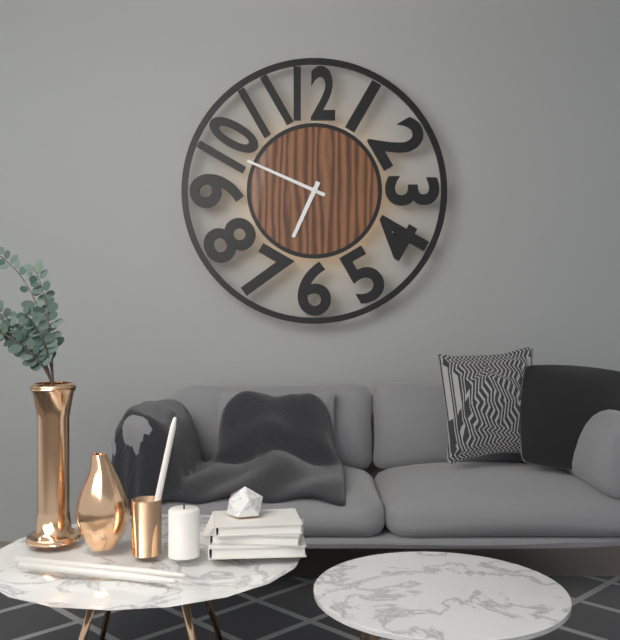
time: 6:49
